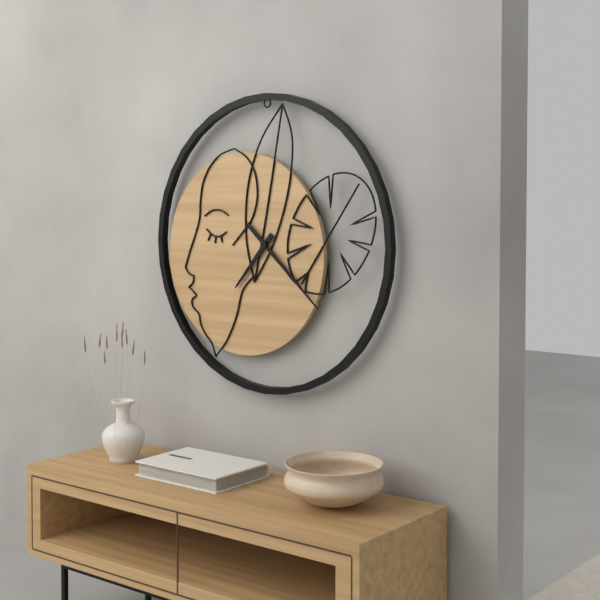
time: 7:22
